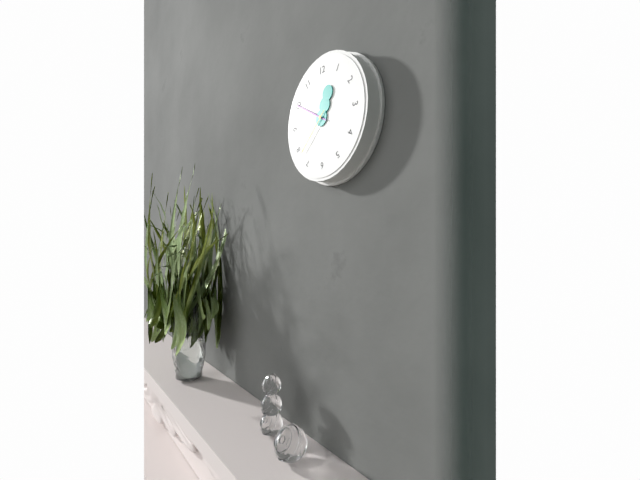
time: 12:50:38
